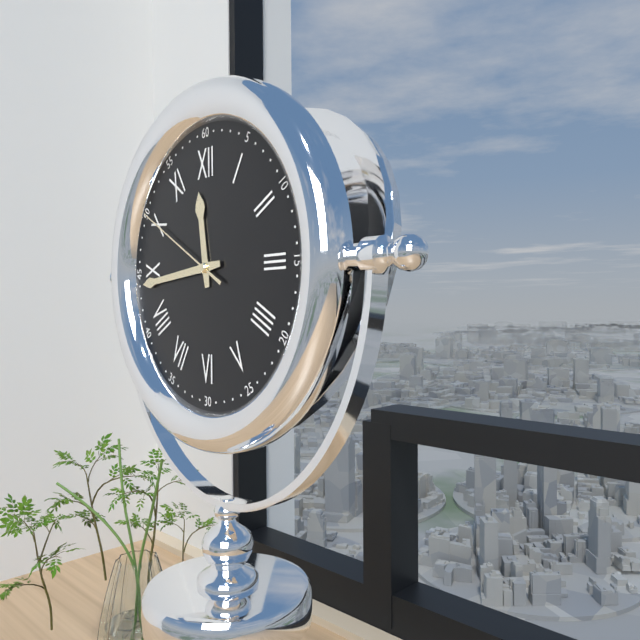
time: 11:44:50
